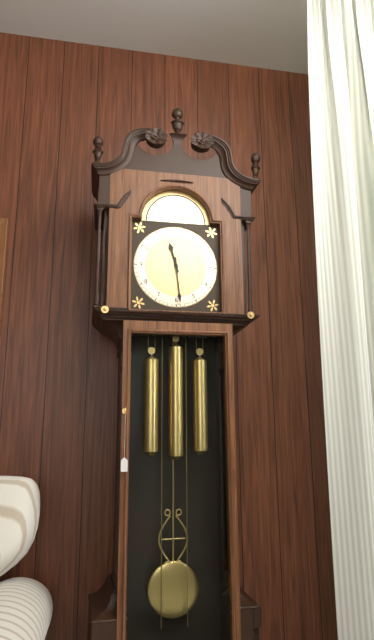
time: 11:29
